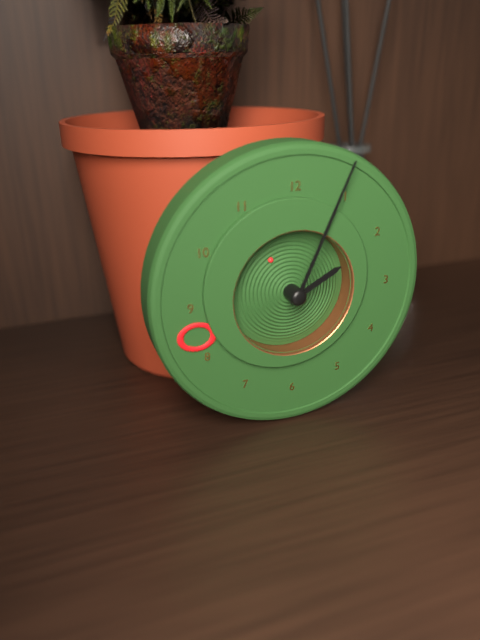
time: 2:04
